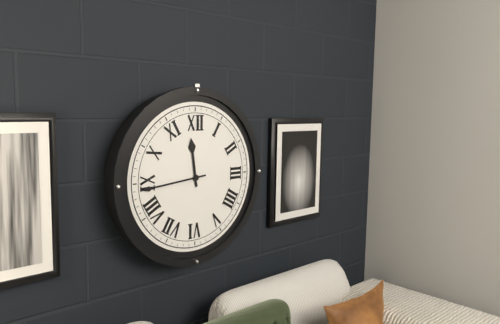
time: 11:44
